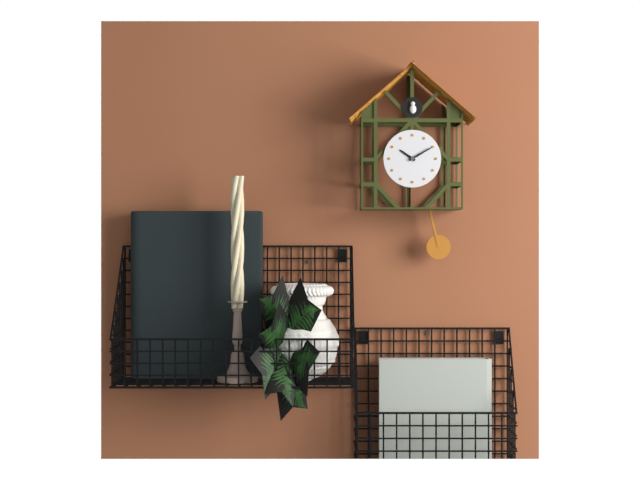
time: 10:10
